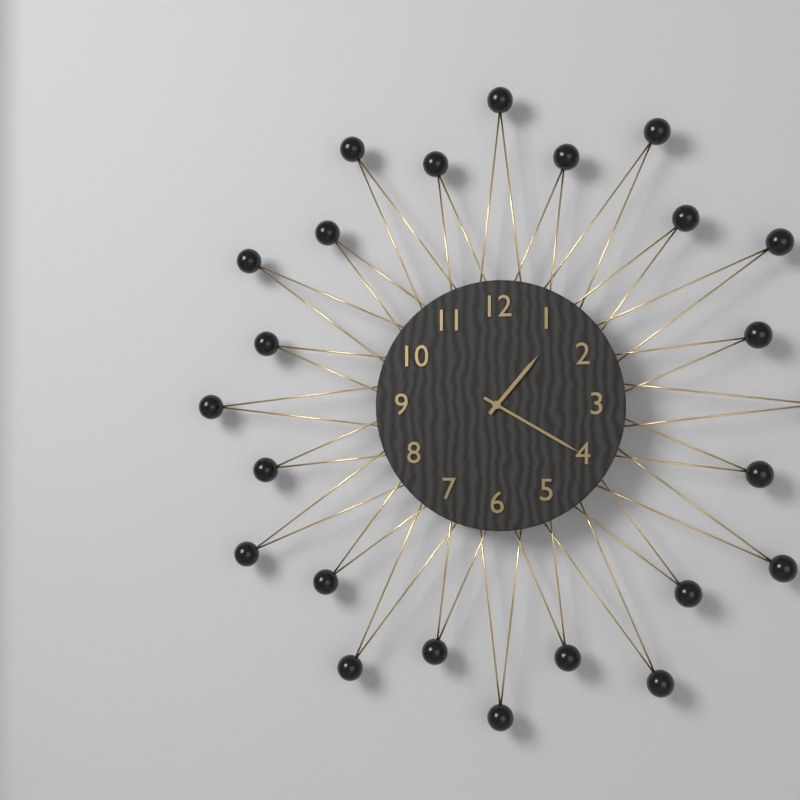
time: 1:20
